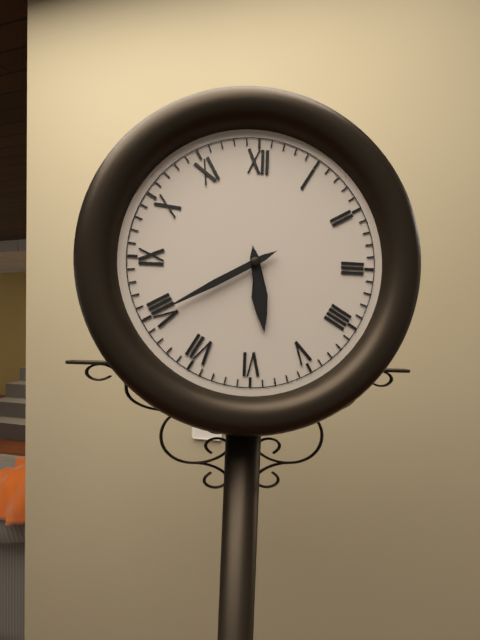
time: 5:40
